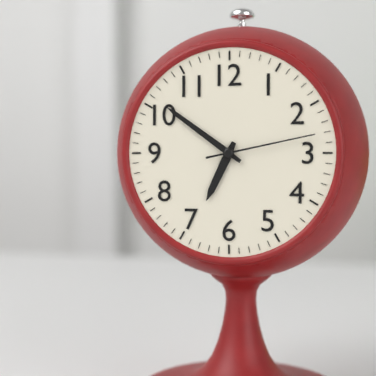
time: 6:51:13
